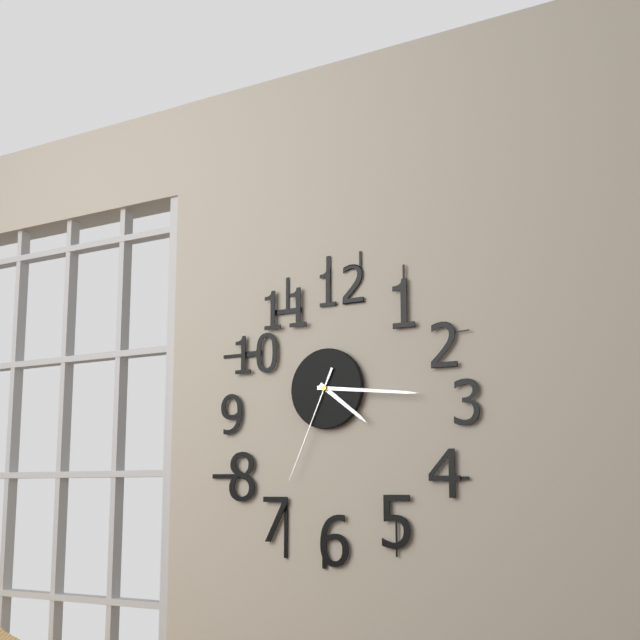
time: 4:16:34
